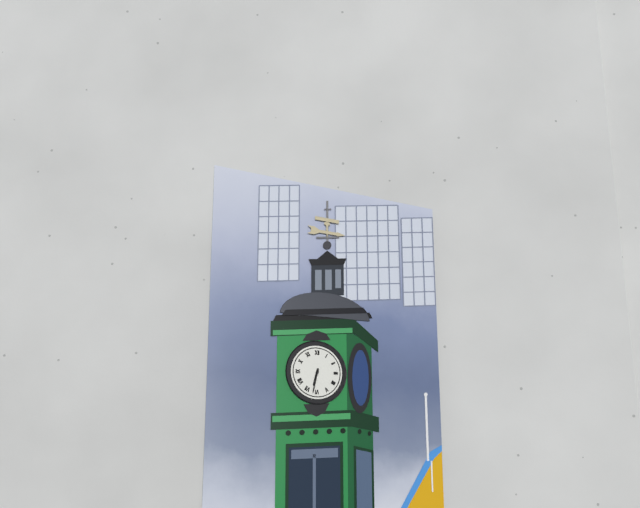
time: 6:32
